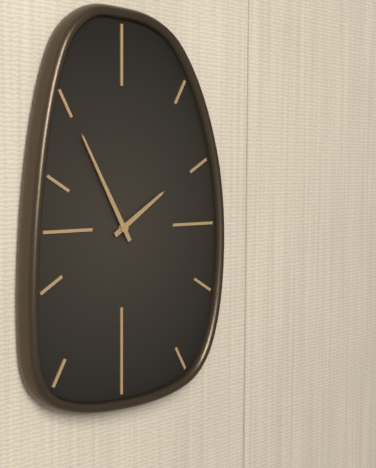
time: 1:55
